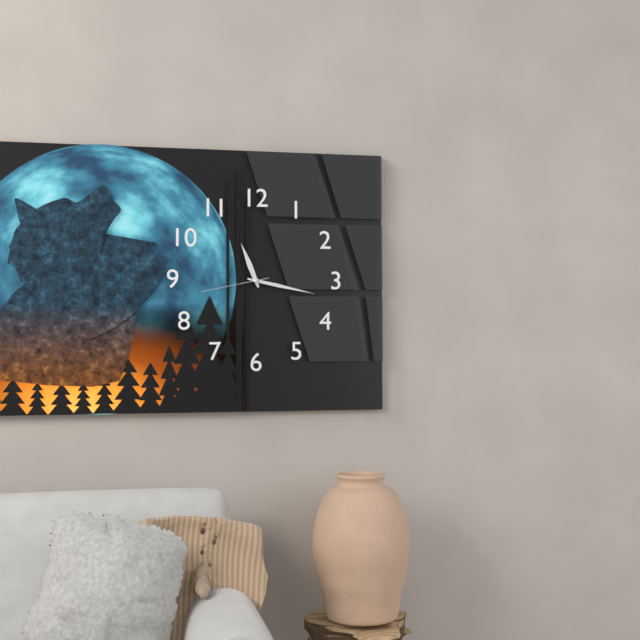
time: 11:17:43
